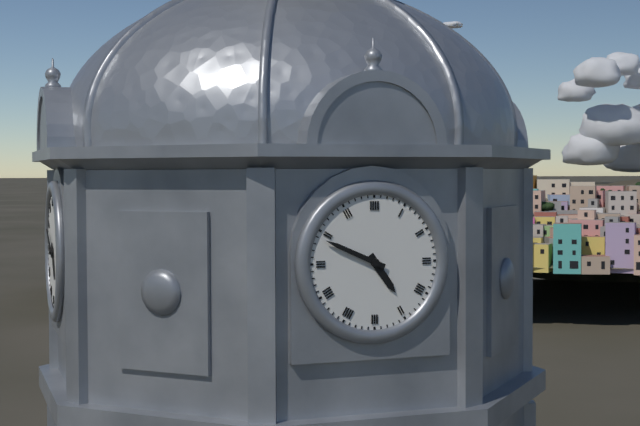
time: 4:49
